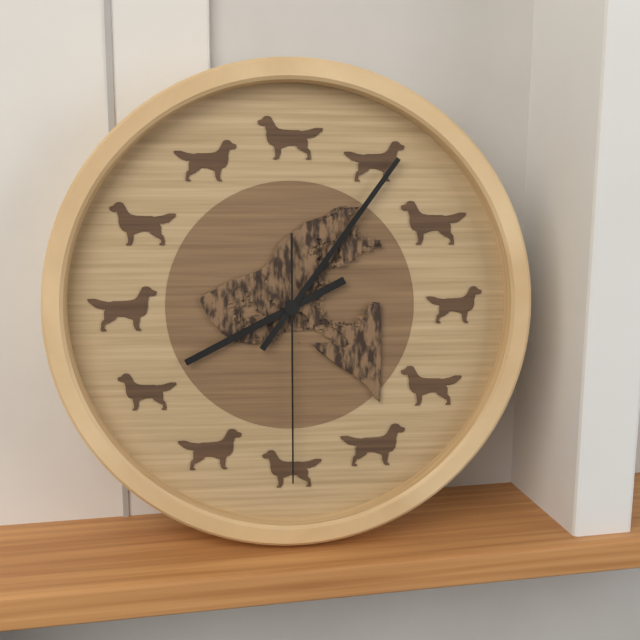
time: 8:06:30
